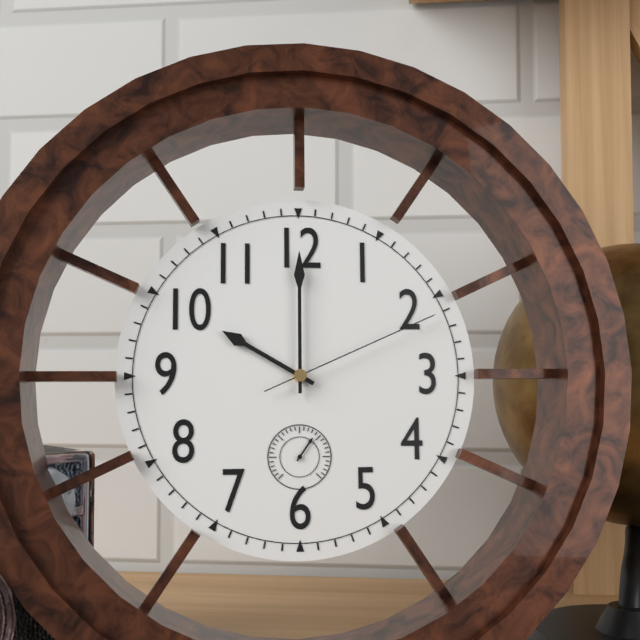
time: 10:00:11
